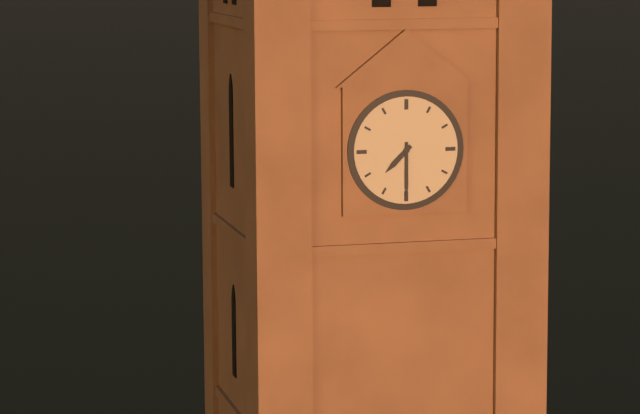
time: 7:30
